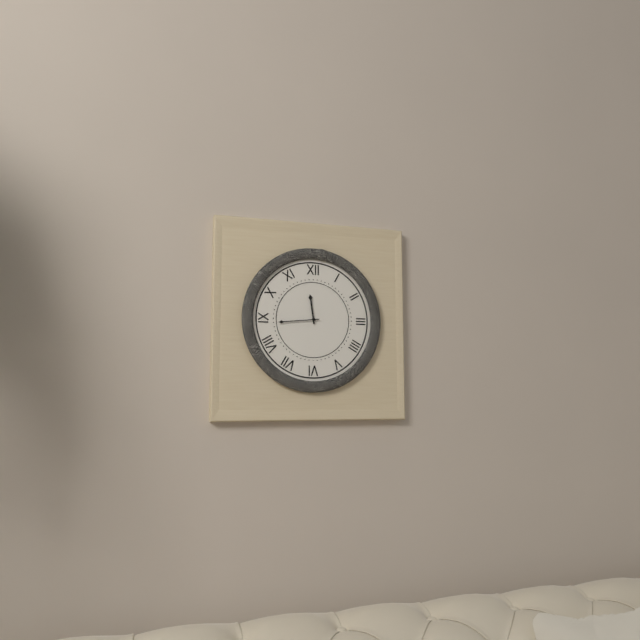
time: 11:44
